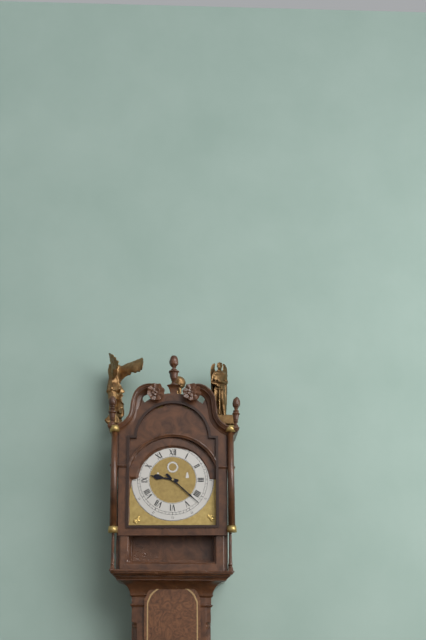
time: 9:22
